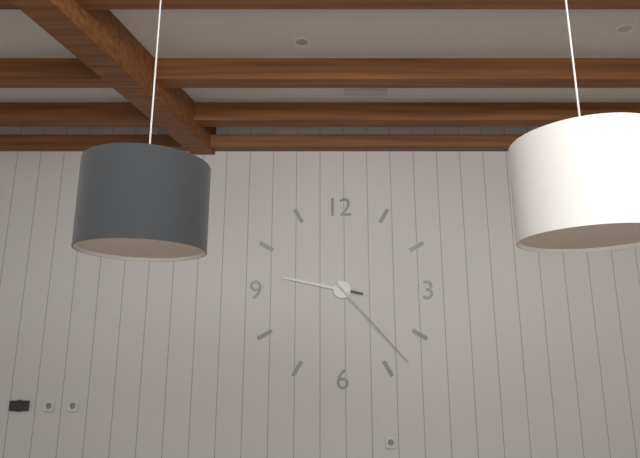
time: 9:23
